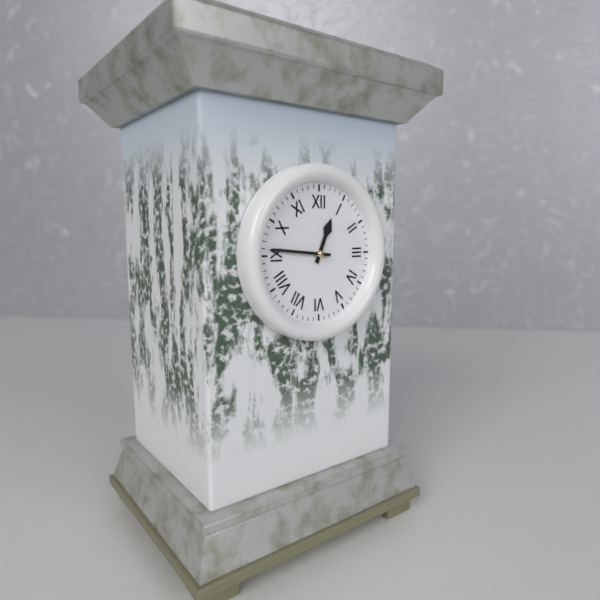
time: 12:46
